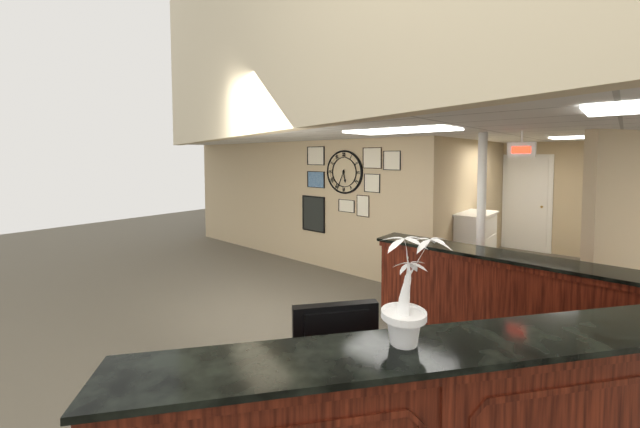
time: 5:34
